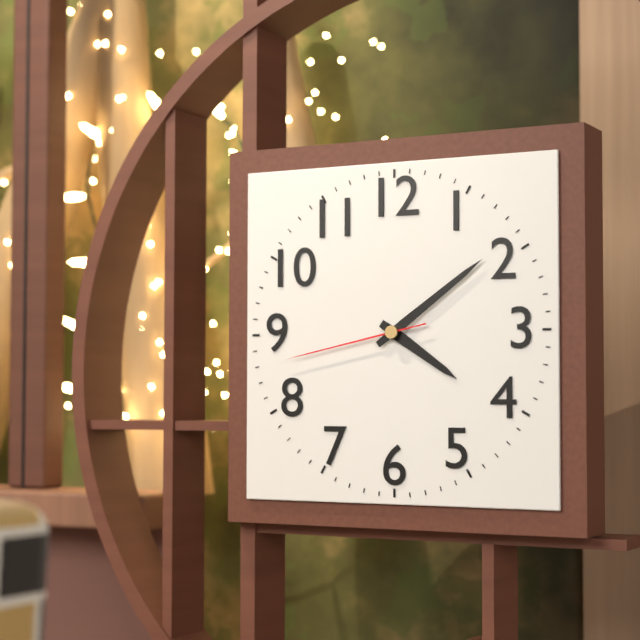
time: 4:09:43
